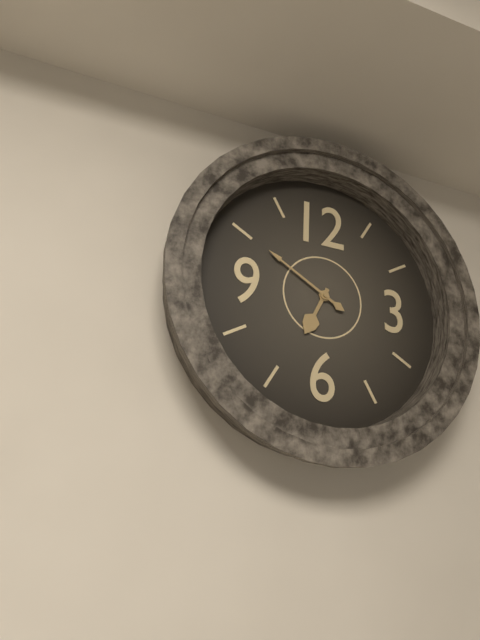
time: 6:50
